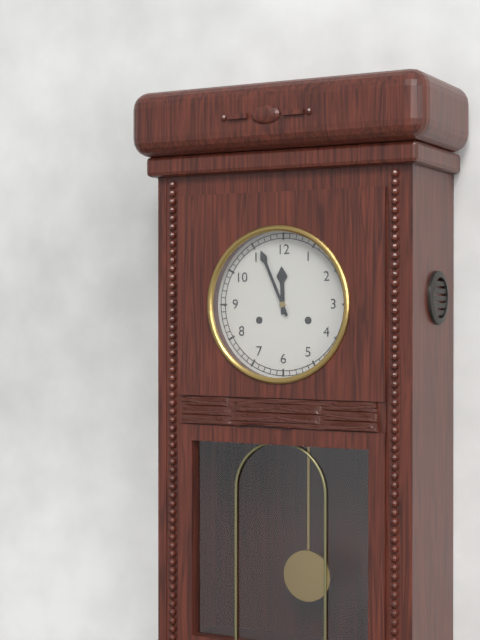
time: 11:56
